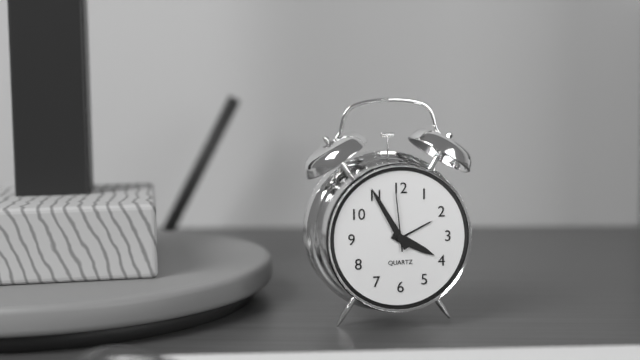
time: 3:55:59
